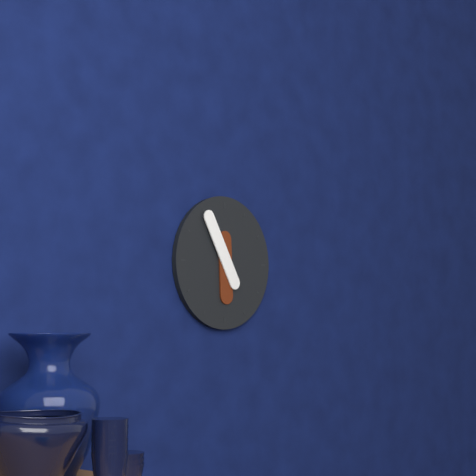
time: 5:55
